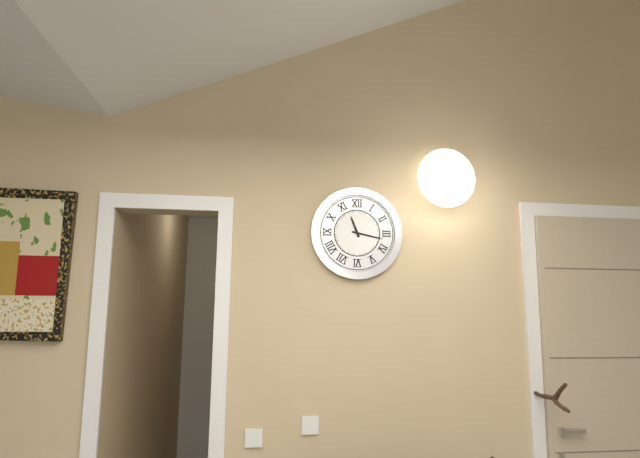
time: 11:17
